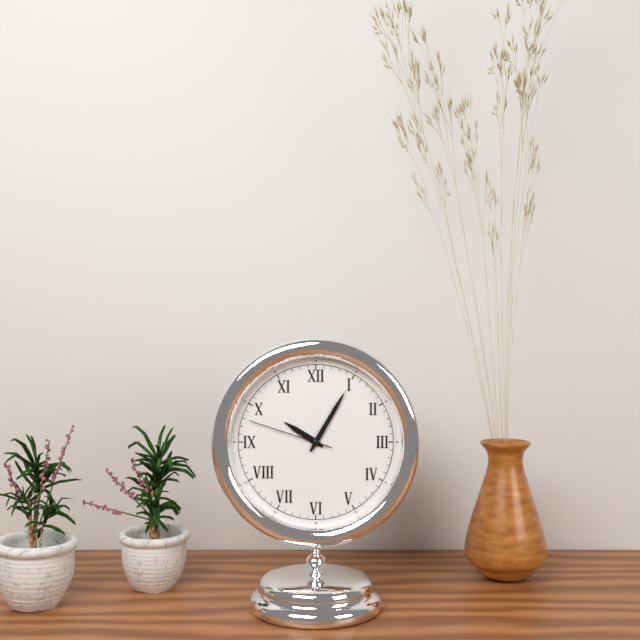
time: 10:05:48
